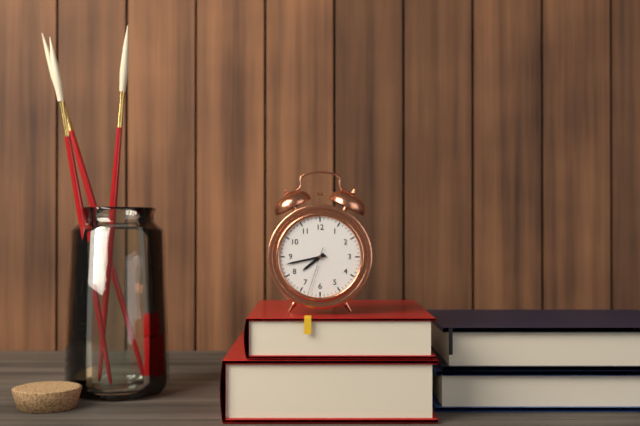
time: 7:43
